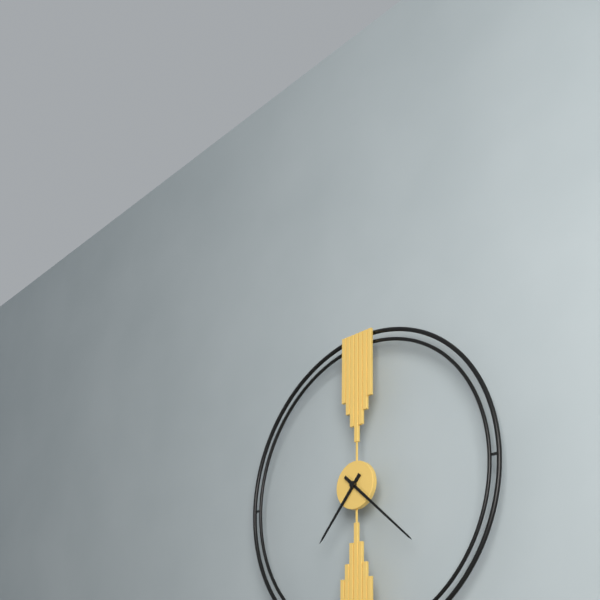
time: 7:22
